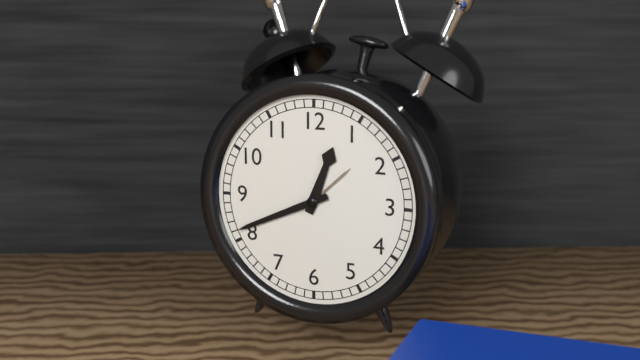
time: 12:41
